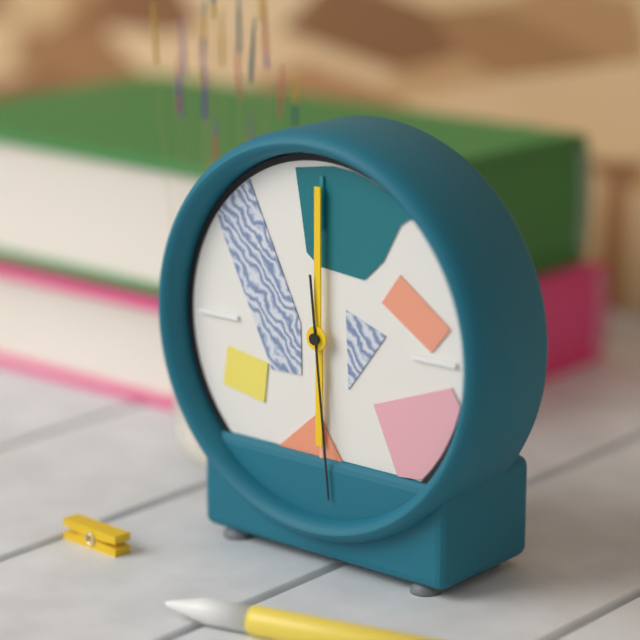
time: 6:00:29
